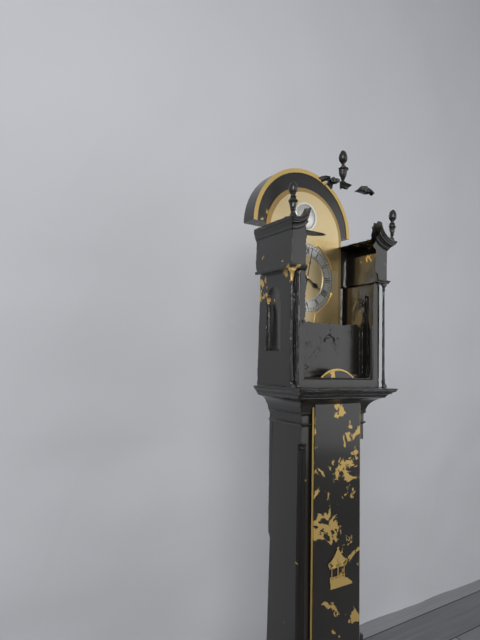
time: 4:02
